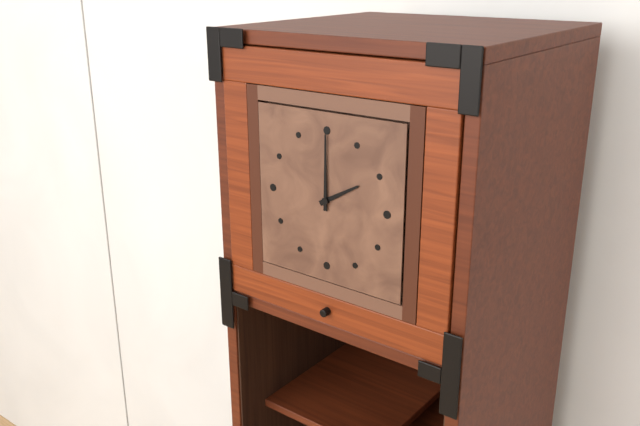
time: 2:00
